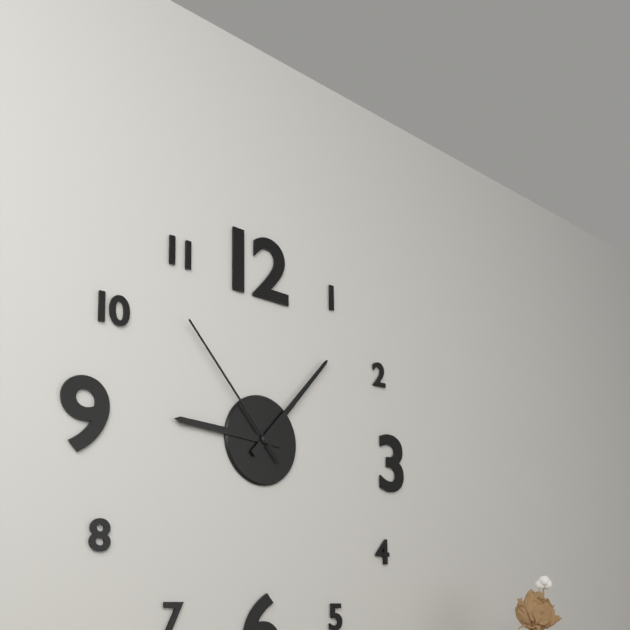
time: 9:07:53
